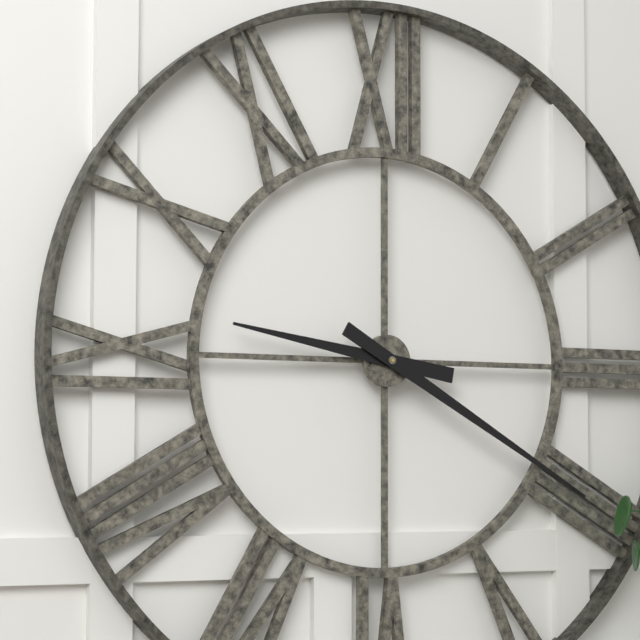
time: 9:20
